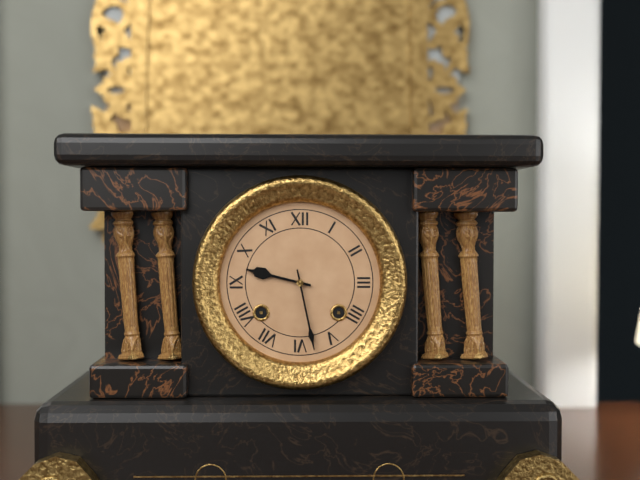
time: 9:28
